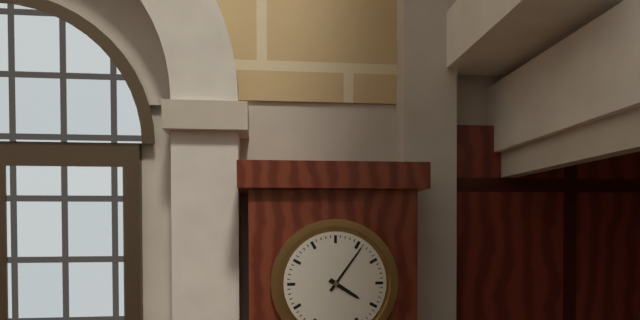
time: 4:06
